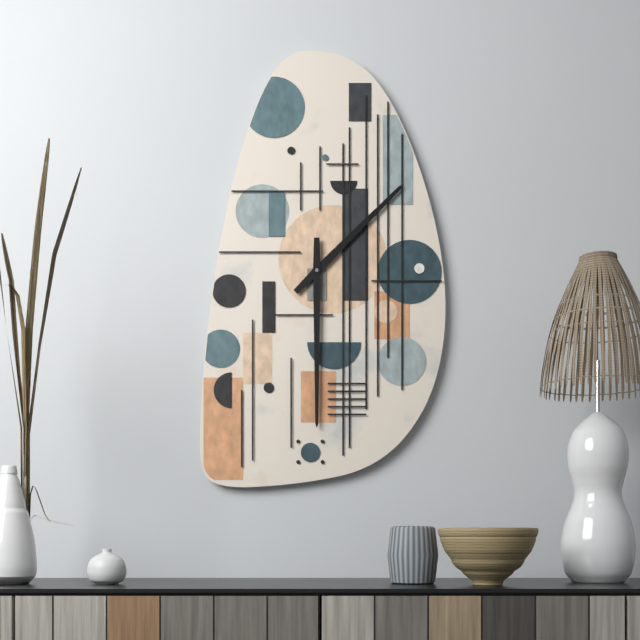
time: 1:30
